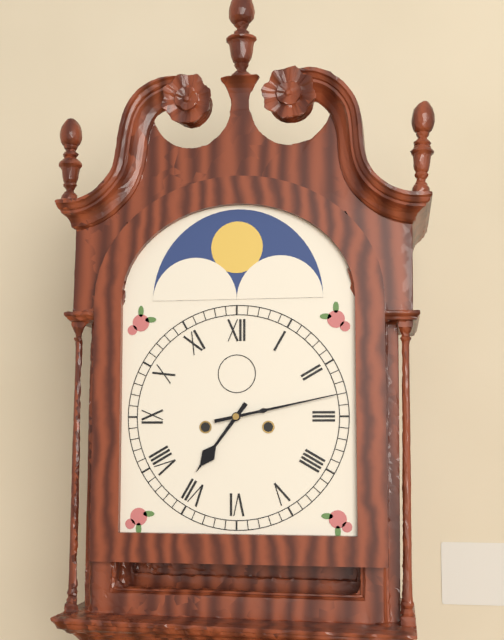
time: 7:13
